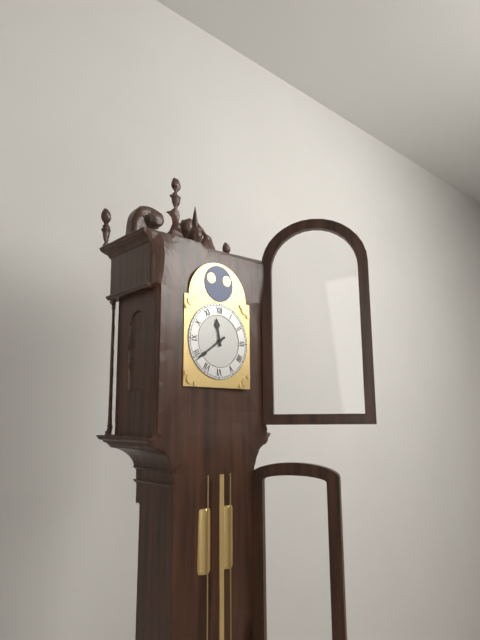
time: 11:39
